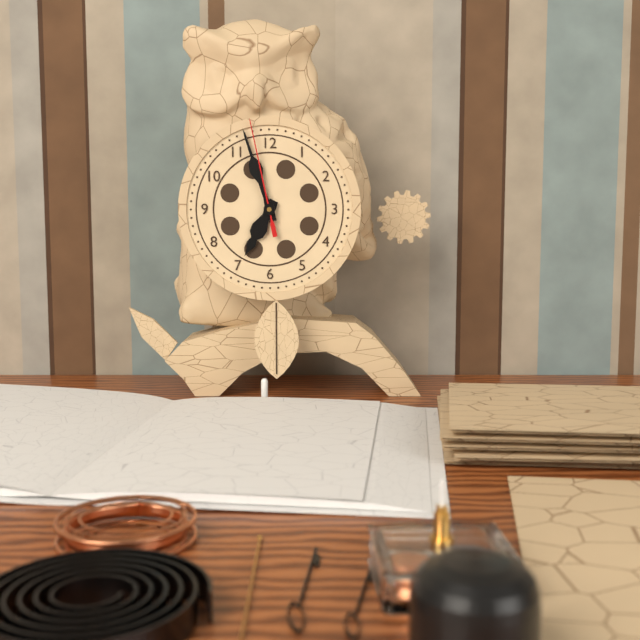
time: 6:57:58
